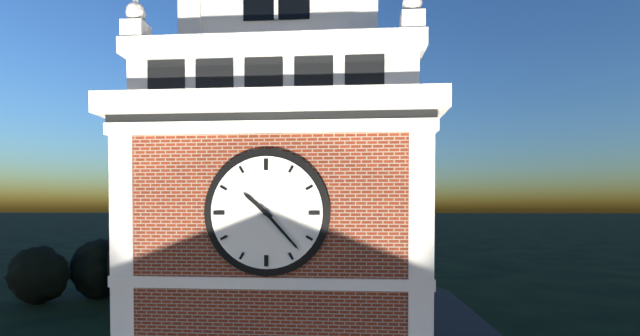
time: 10:23
